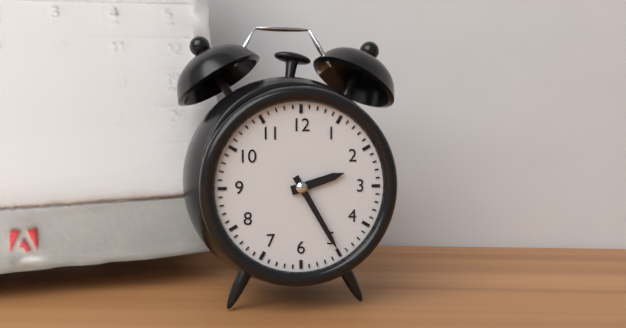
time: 2:25
